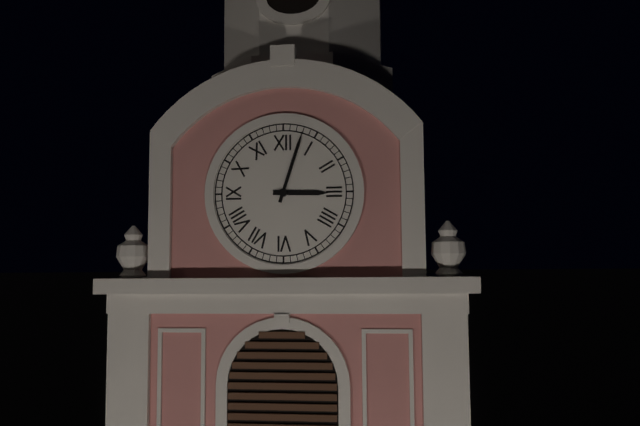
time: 3:03
